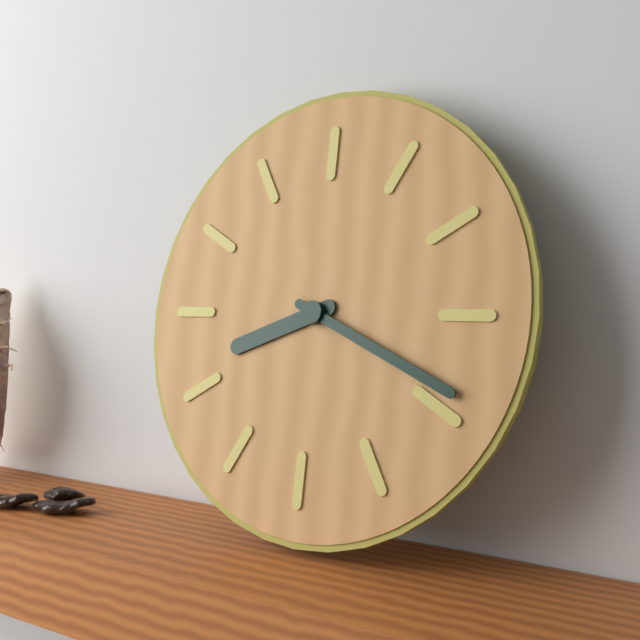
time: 8:19
